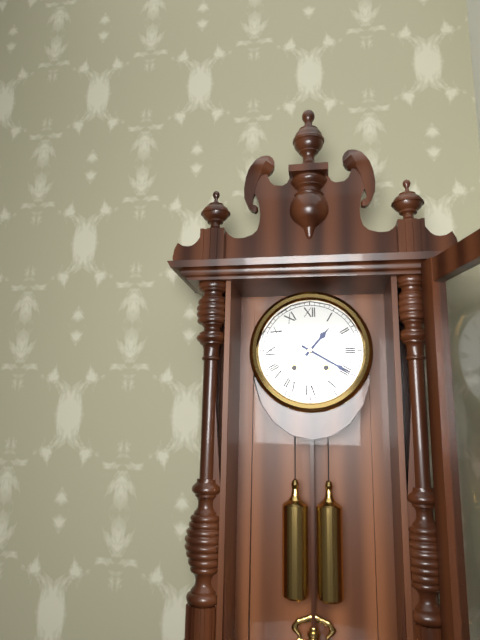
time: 1:20
